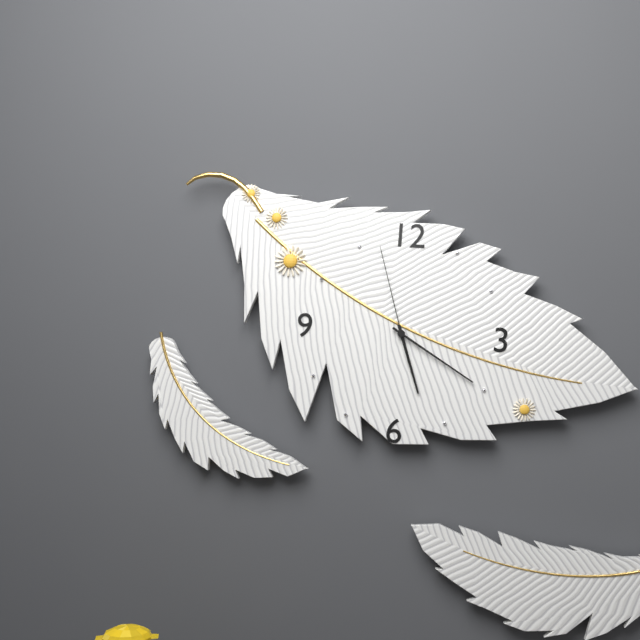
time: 5:20:57
